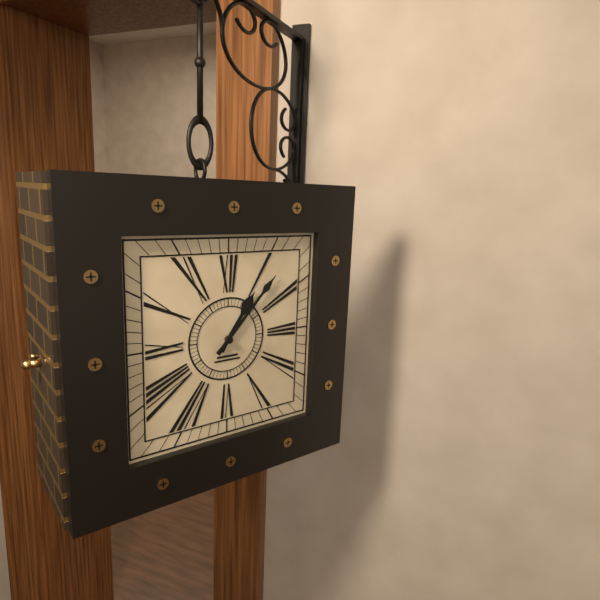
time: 1:07
